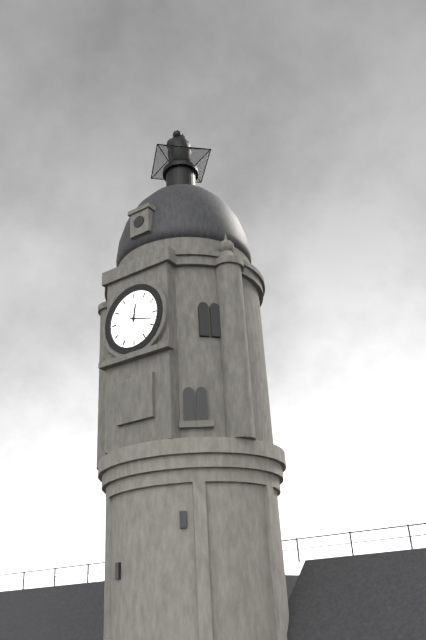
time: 12:18
